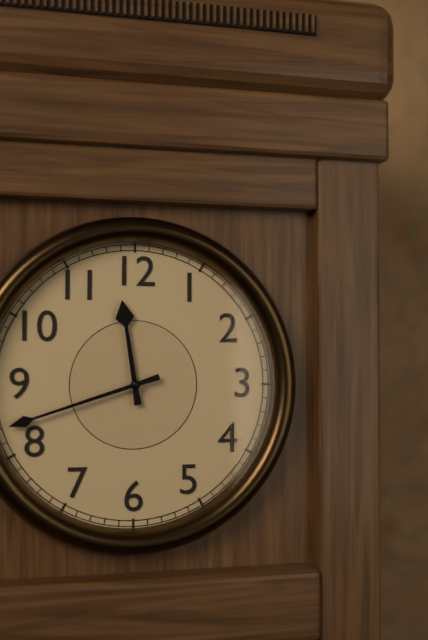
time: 11:42
